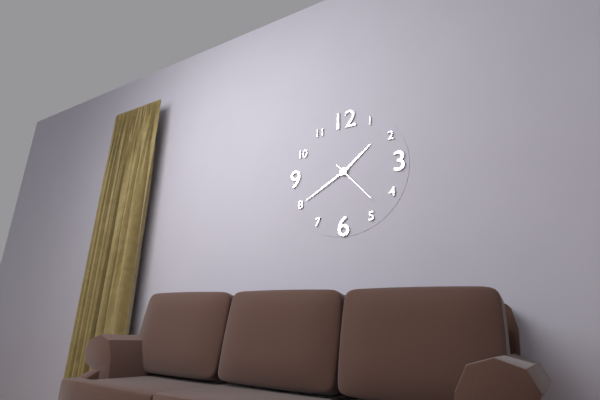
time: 1:40
